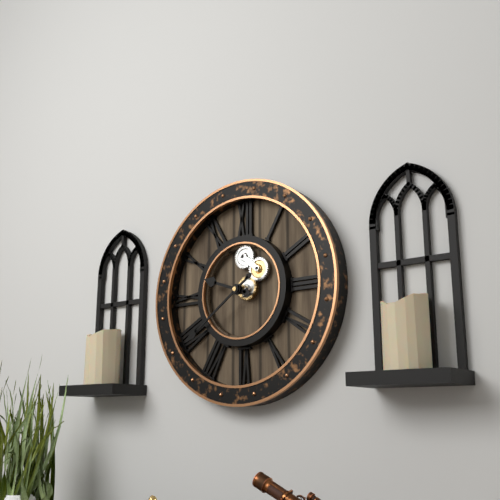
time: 9:39
